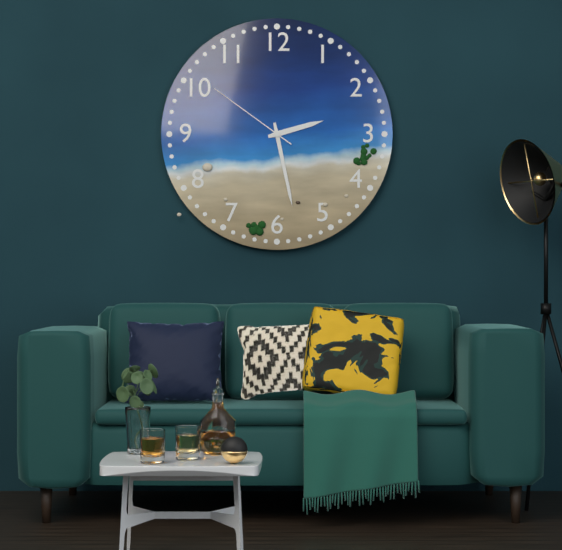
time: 2:28:51
